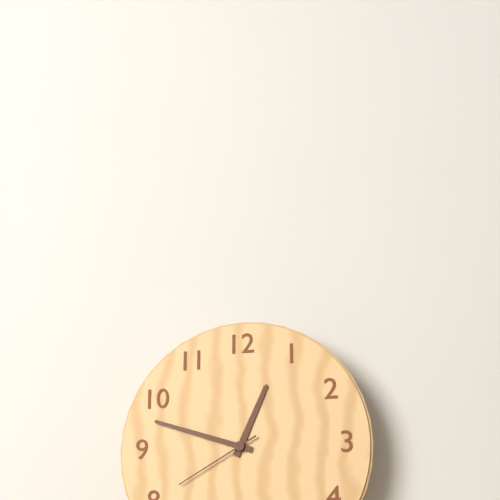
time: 12:48:40
